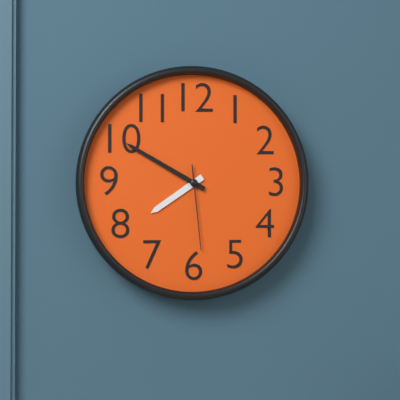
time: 7:50:29
